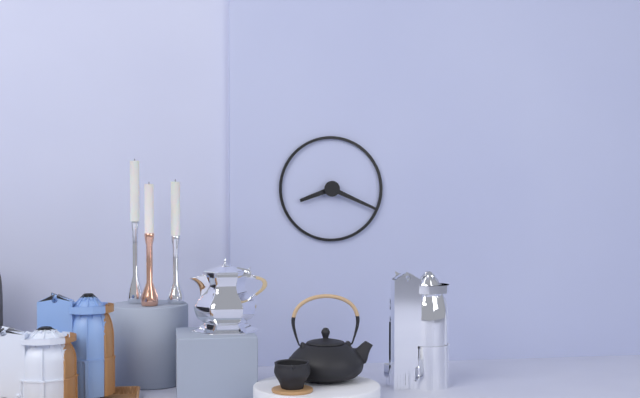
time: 8:19
